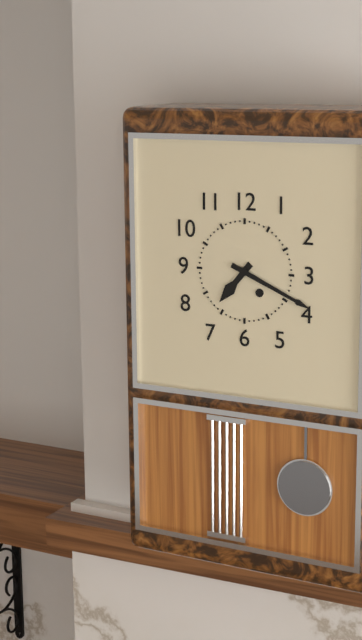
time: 7:19
